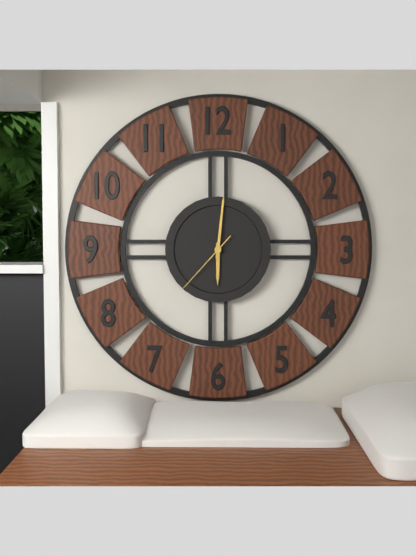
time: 6:01:37
